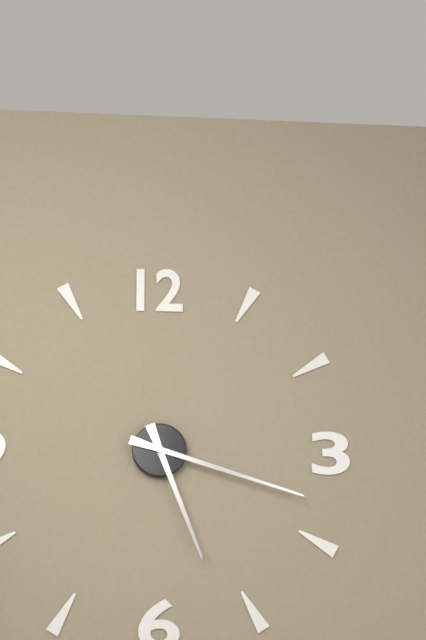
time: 5:18
